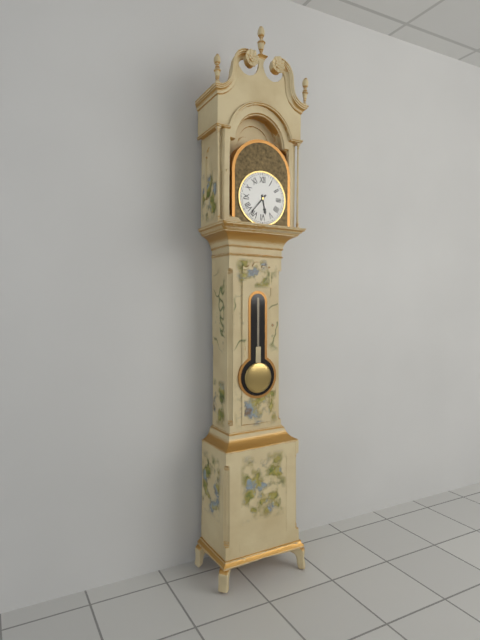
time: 5:37
